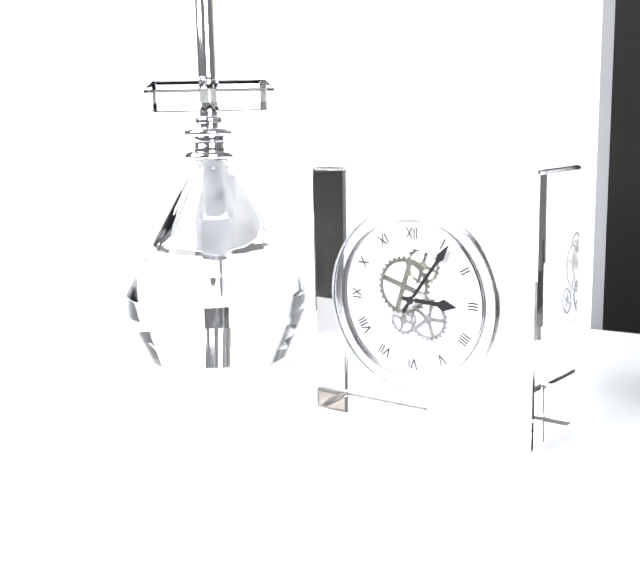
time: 3:06
